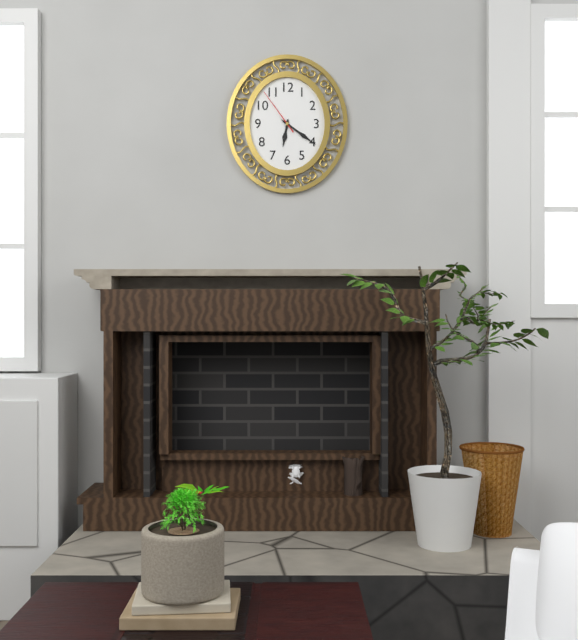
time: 6:21:54
